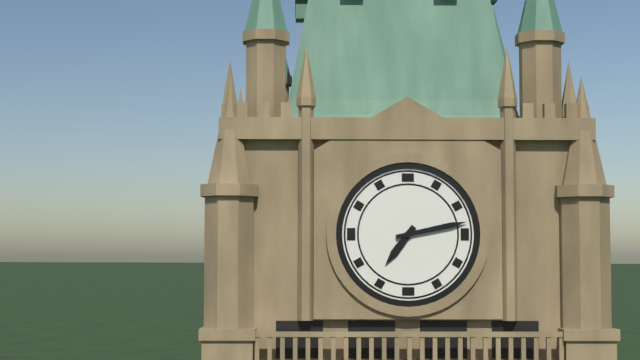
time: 7:13
